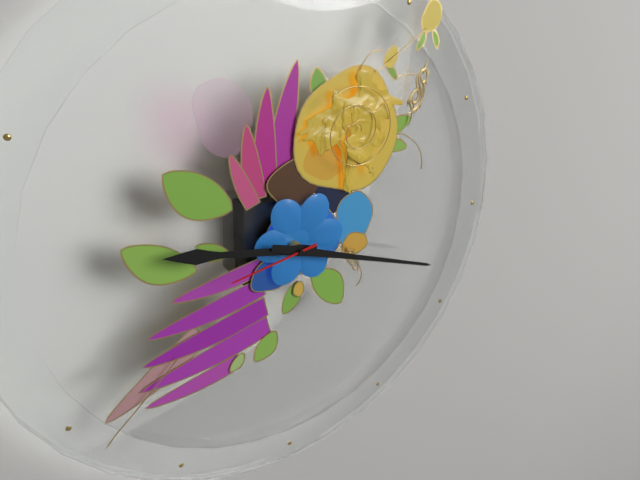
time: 9:18:43
